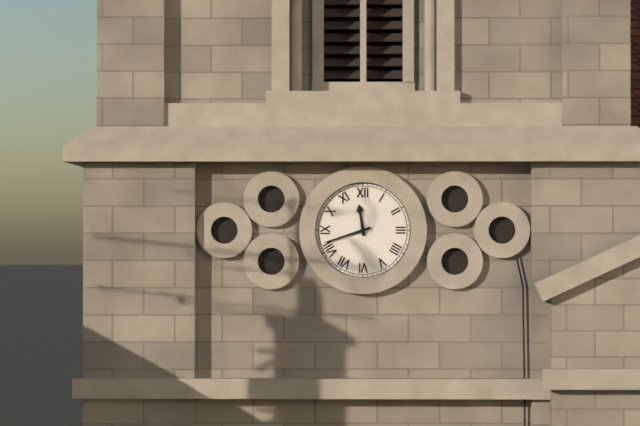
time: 11:42
